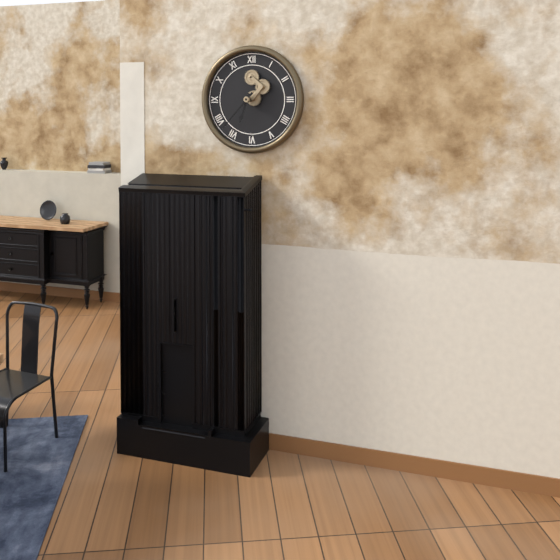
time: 6:37
